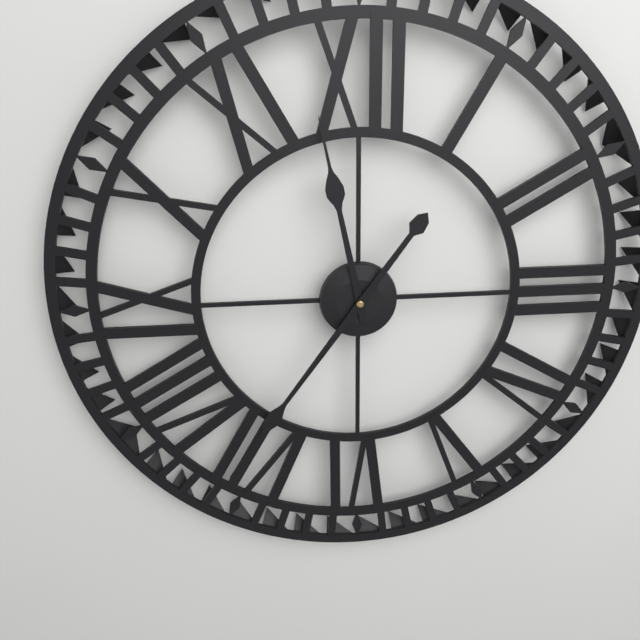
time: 11:36
